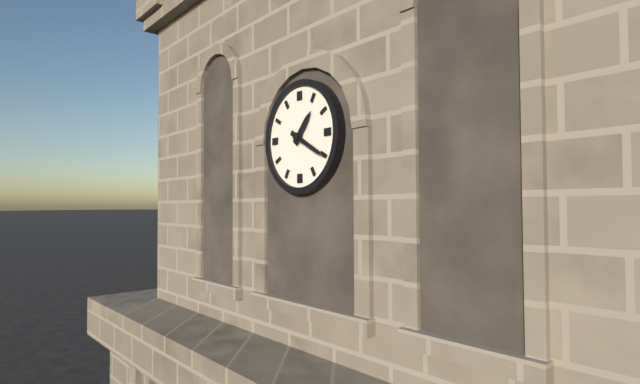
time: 1:20
